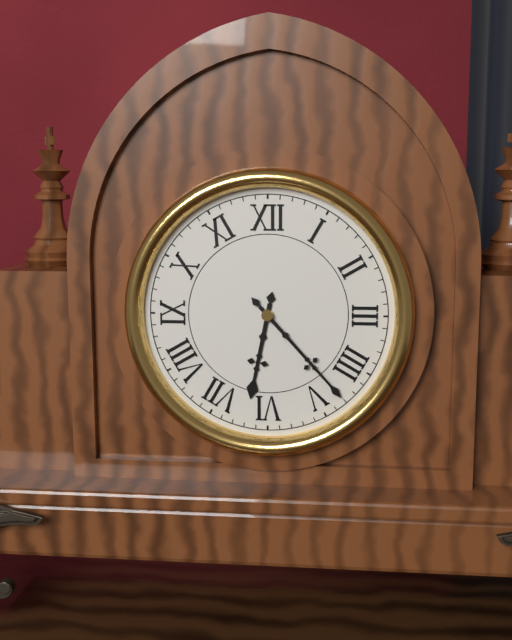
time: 6:23
